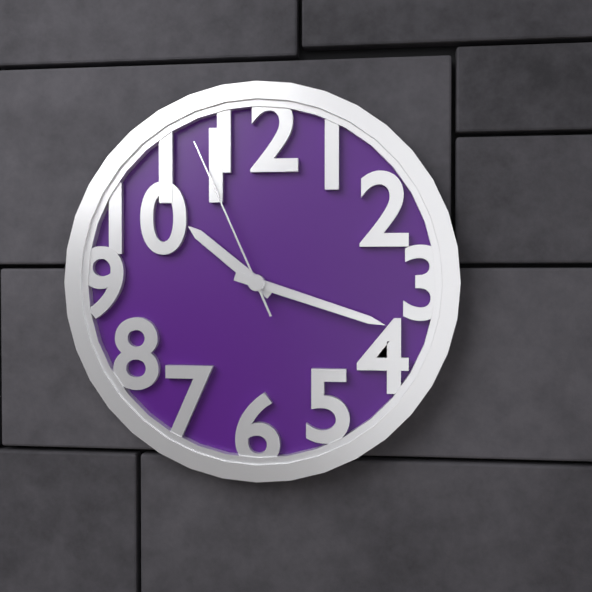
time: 10:18:56
